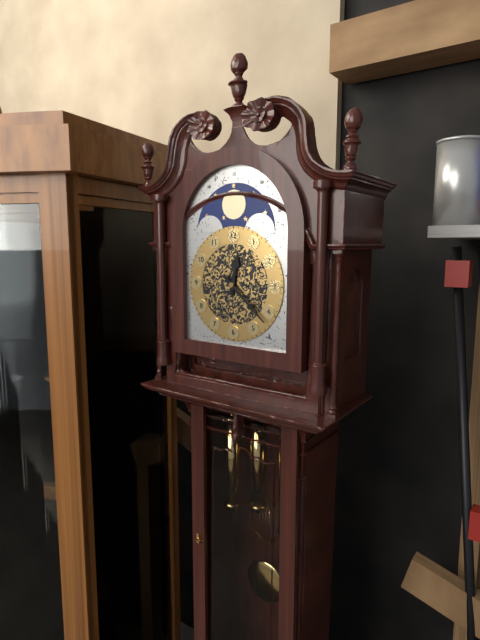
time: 12:22
